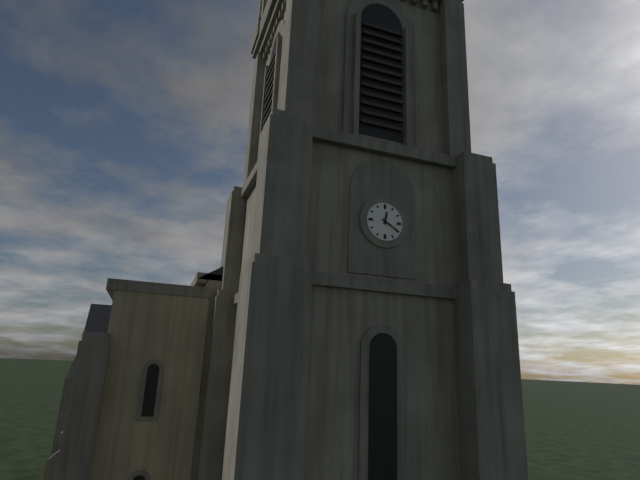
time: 12:20
